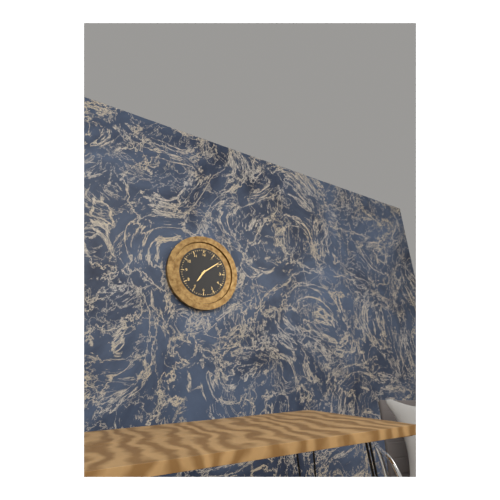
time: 7:09
